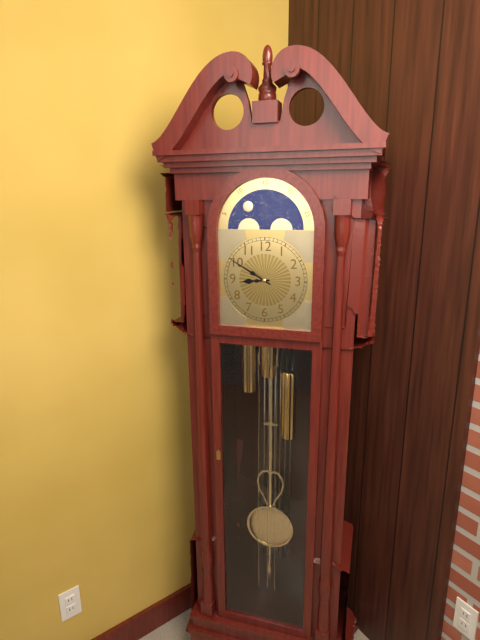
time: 8:50
